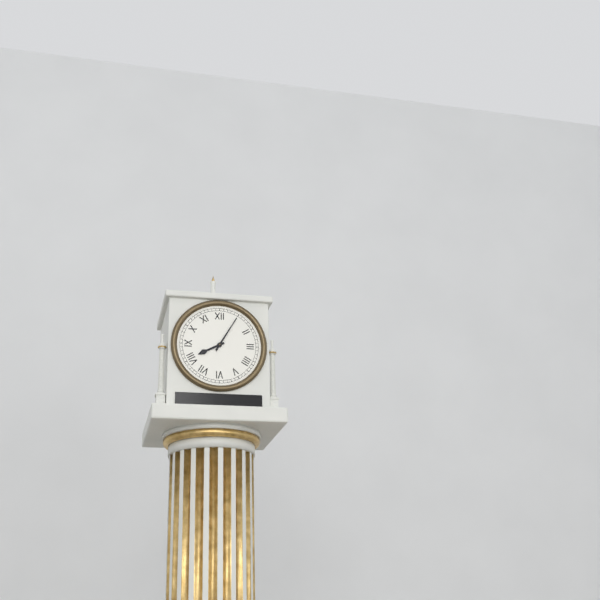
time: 8:05
